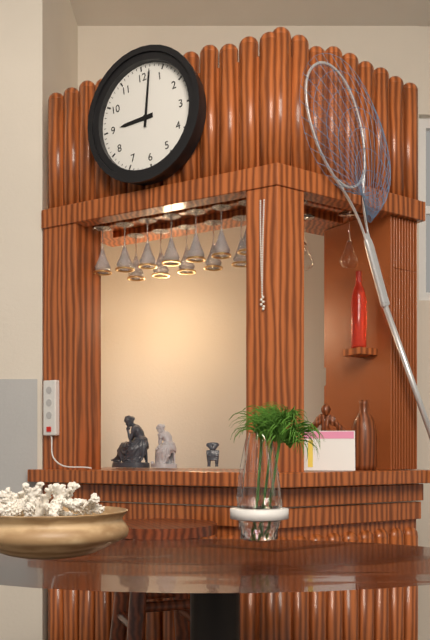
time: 9:02
